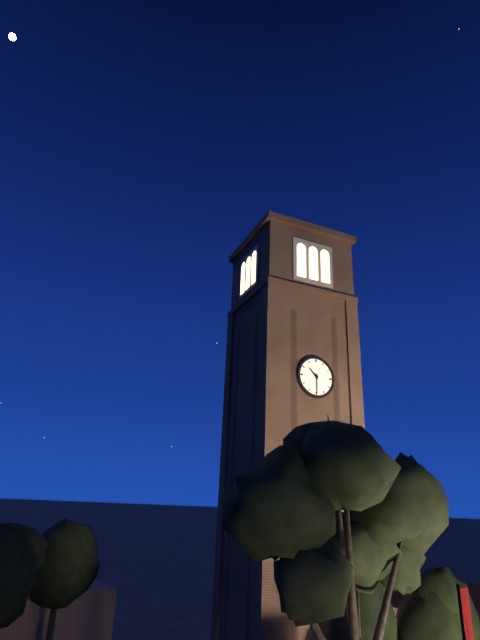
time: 10:30
